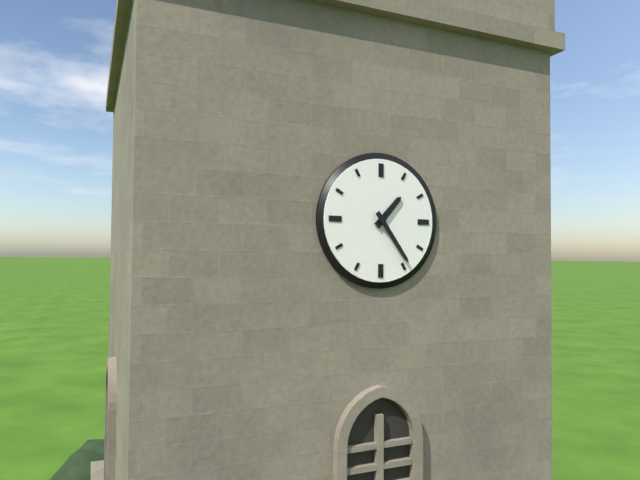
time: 1:24
